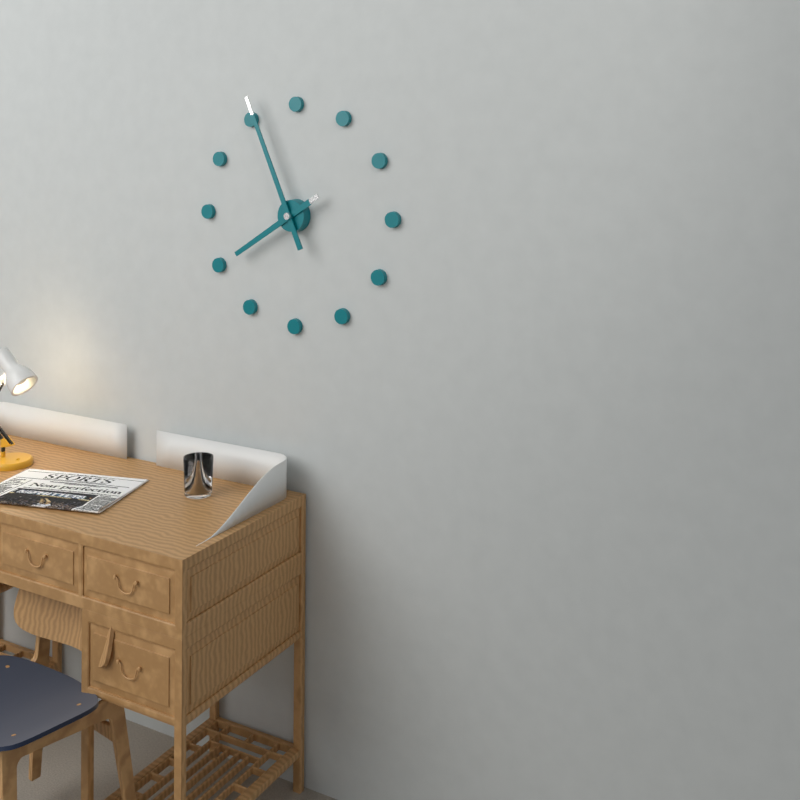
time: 7:56
